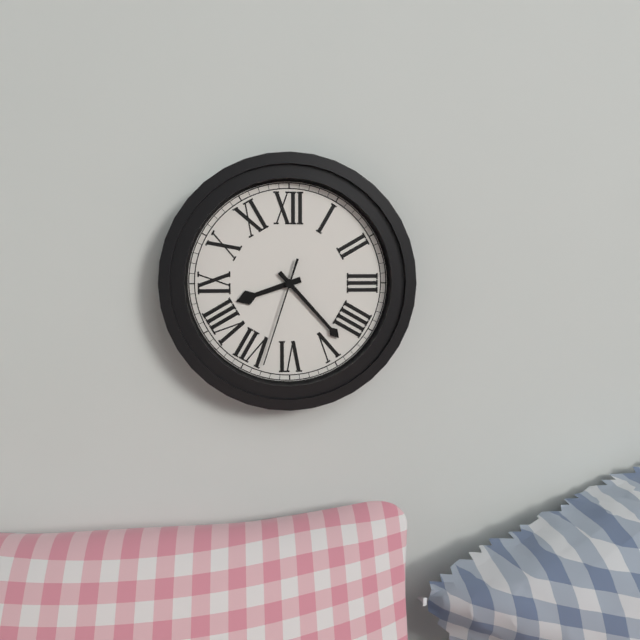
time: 8:23:33
